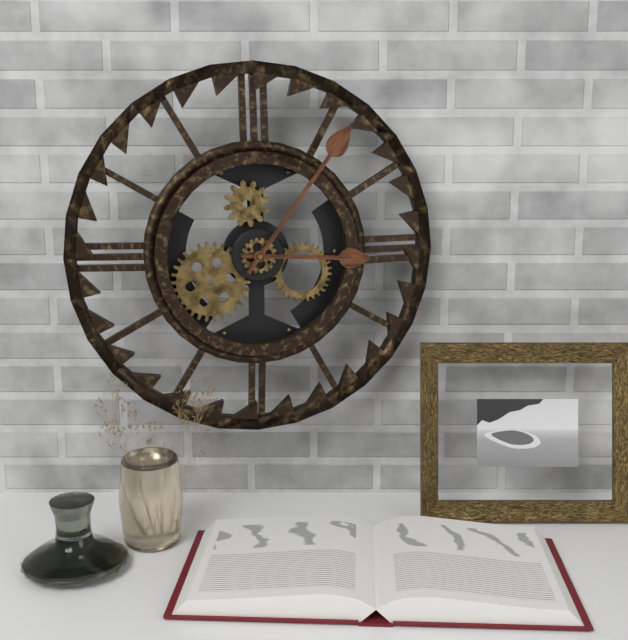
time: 3:06
